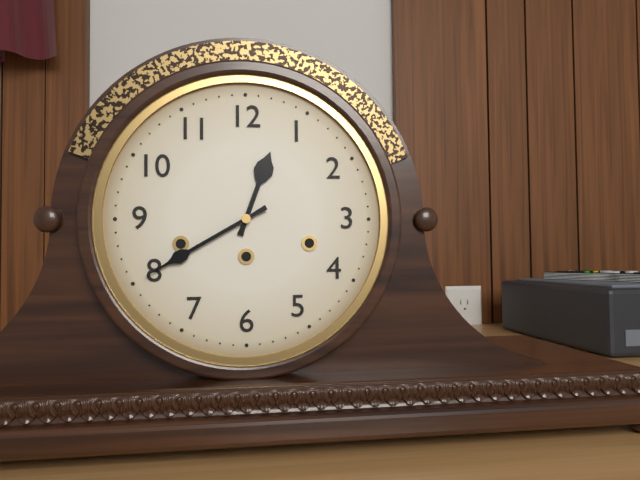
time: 12:40
